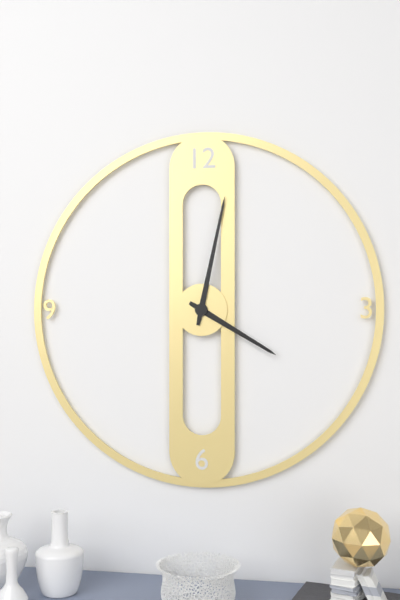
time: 4:02
